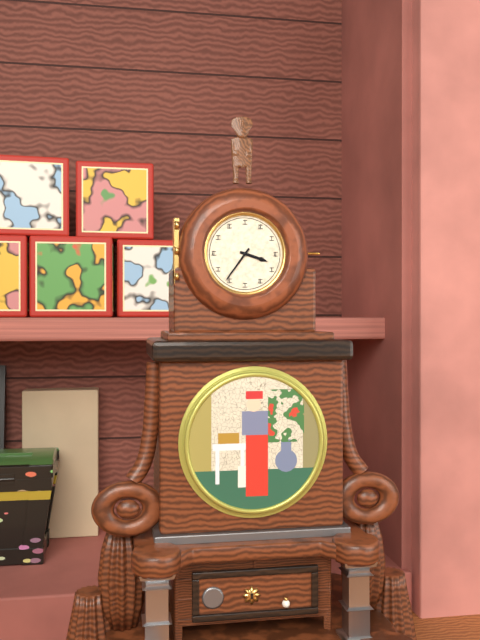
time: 3:36
